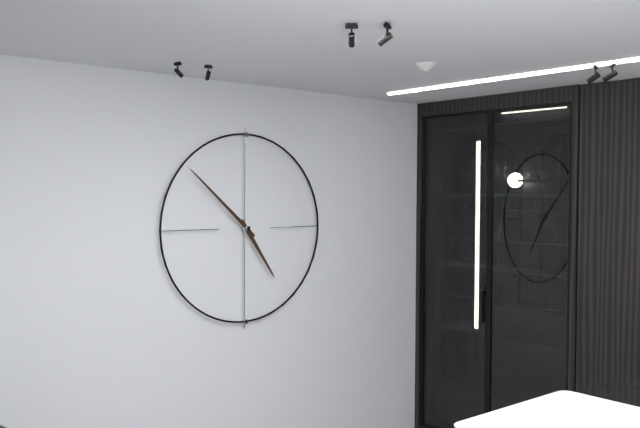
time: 4:52
